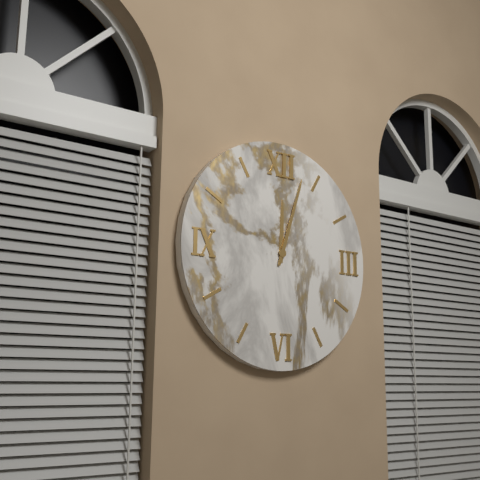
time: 12:03
